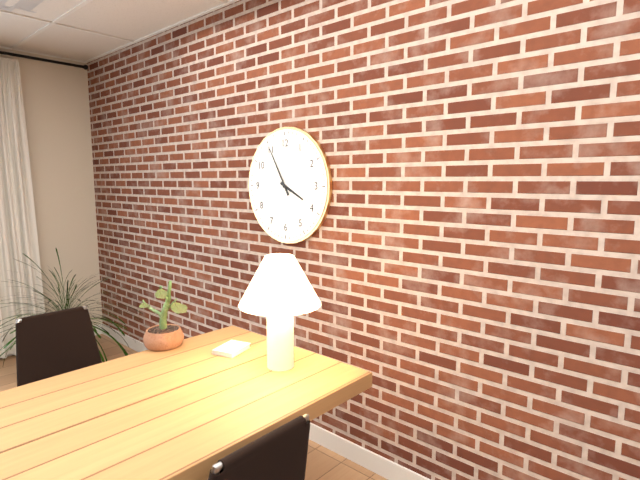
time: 3:55
